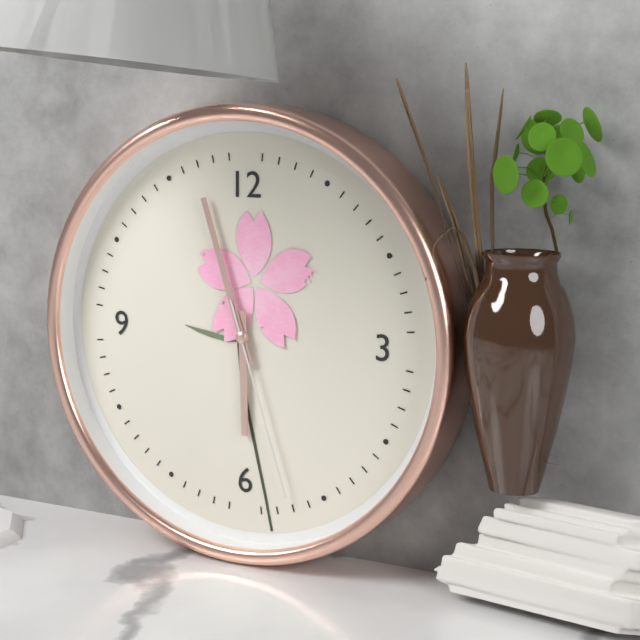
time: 5:57:27
